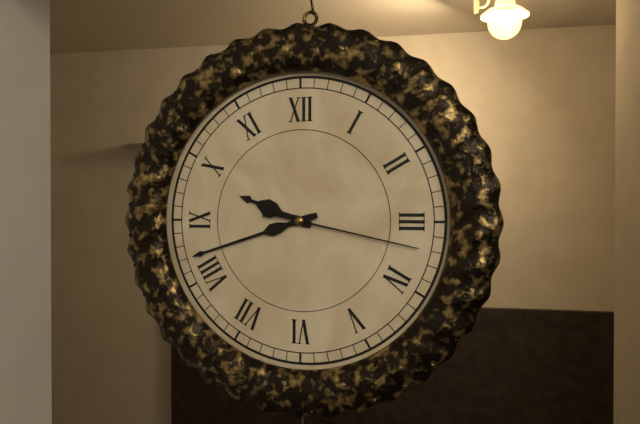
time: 9:42:17
